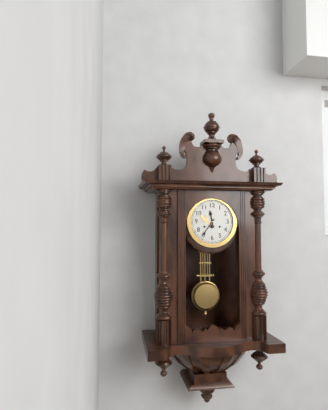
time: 11:36
